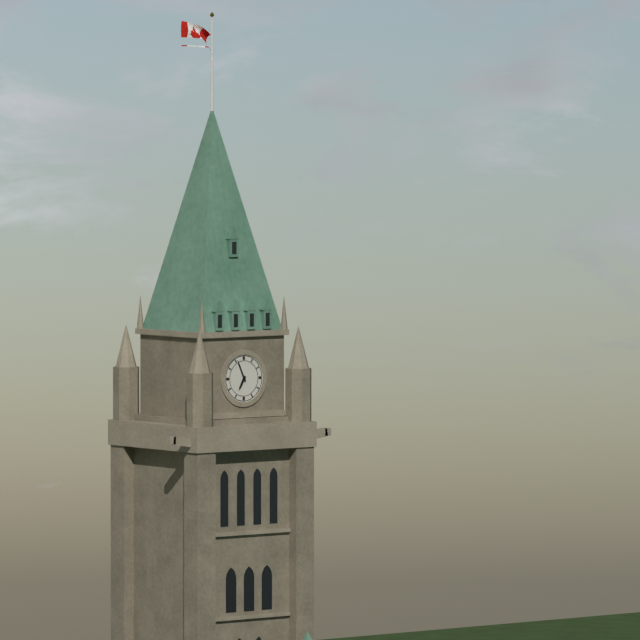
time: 6:56
